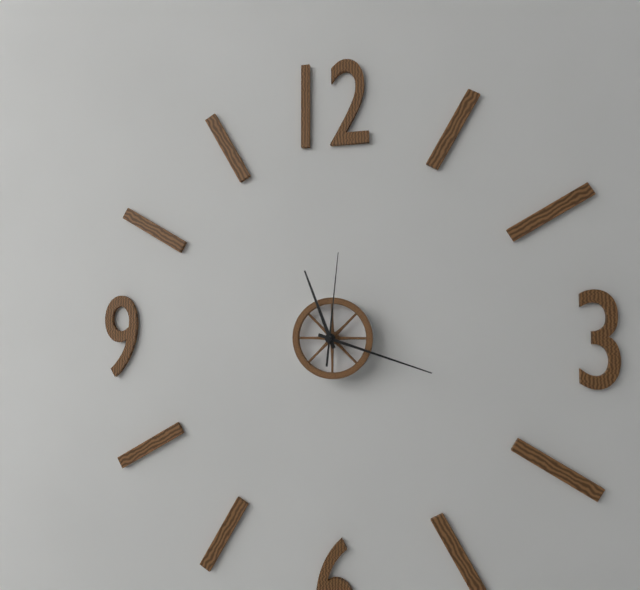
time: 11:18:01
